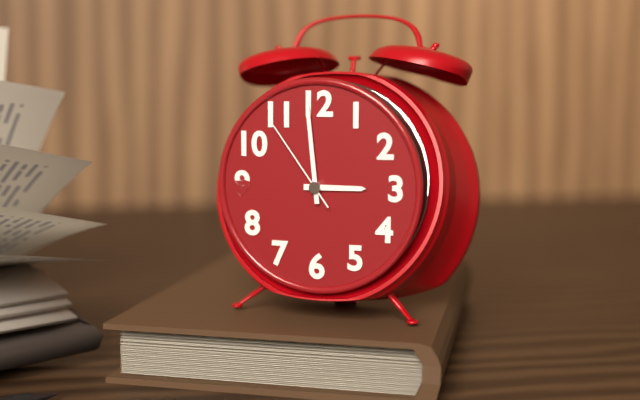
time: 2:59:54
